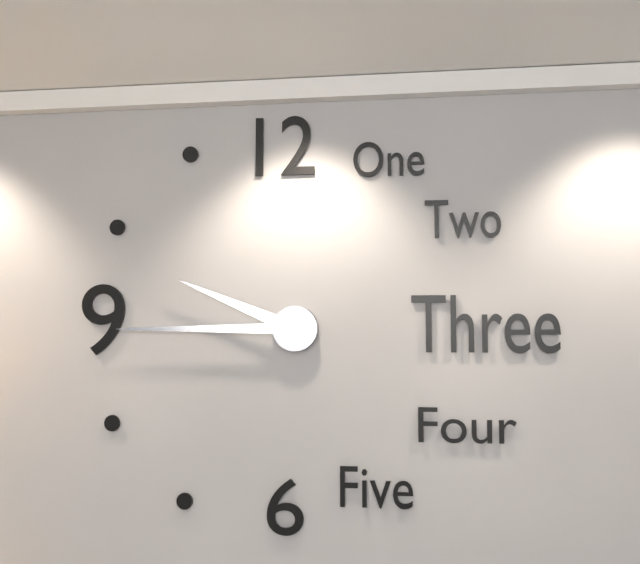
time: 9:45
